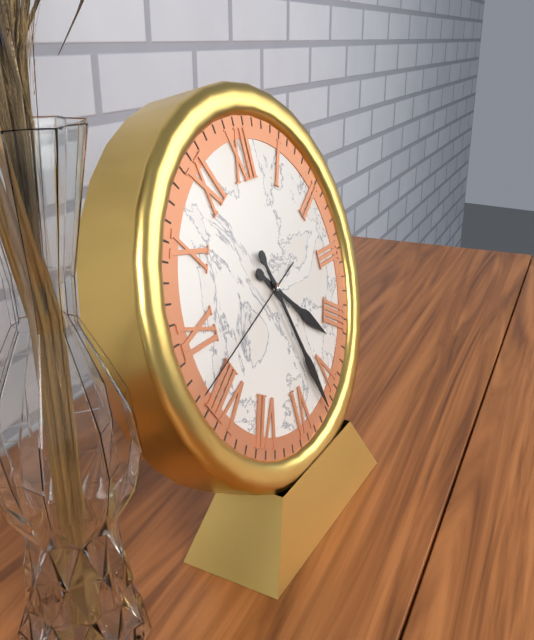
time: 4:27:42
